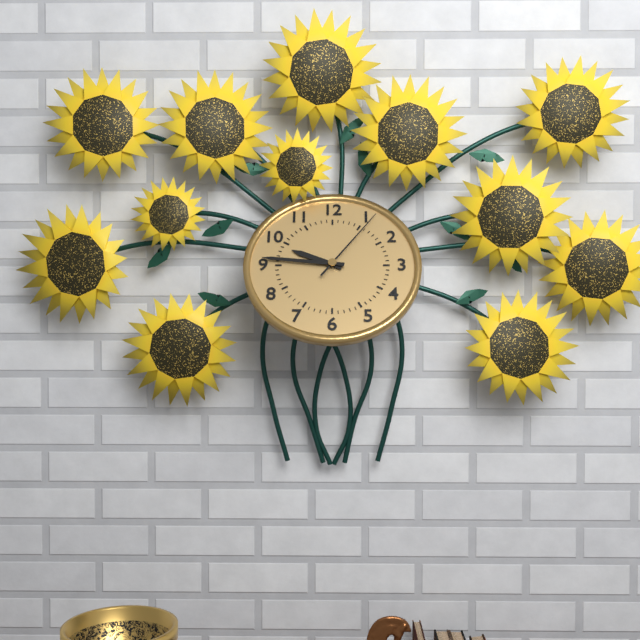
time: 9:46:06
